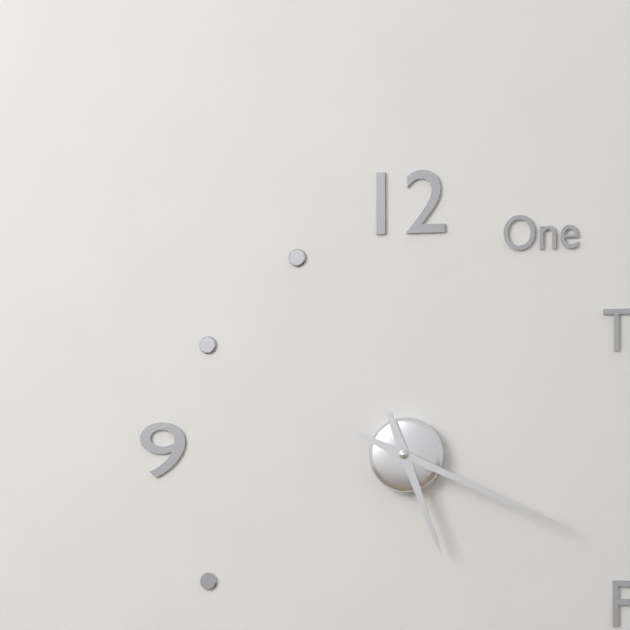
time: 5:19
